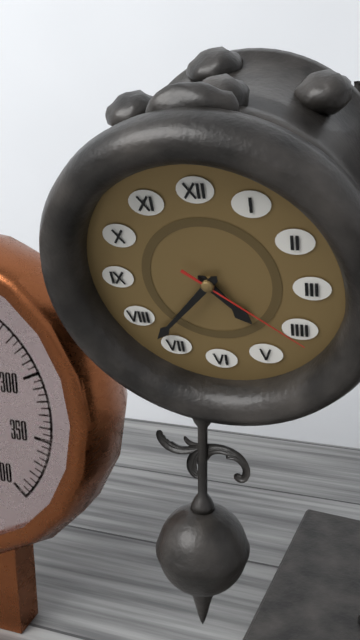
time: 4:37:21
